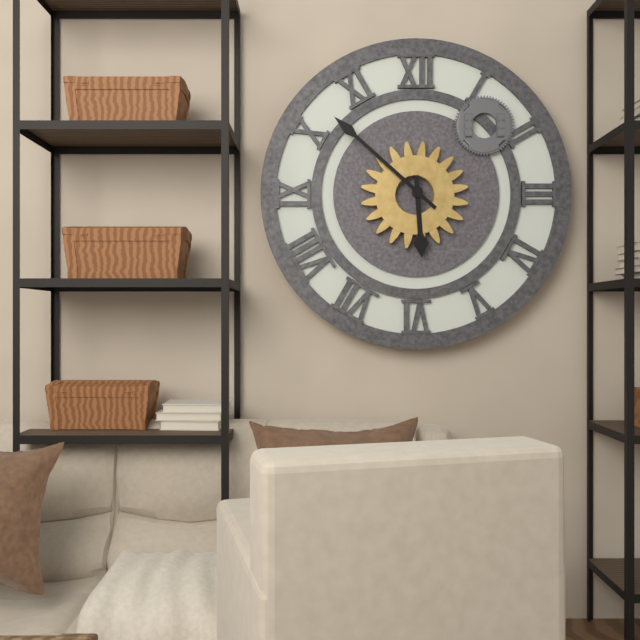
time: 5:52
